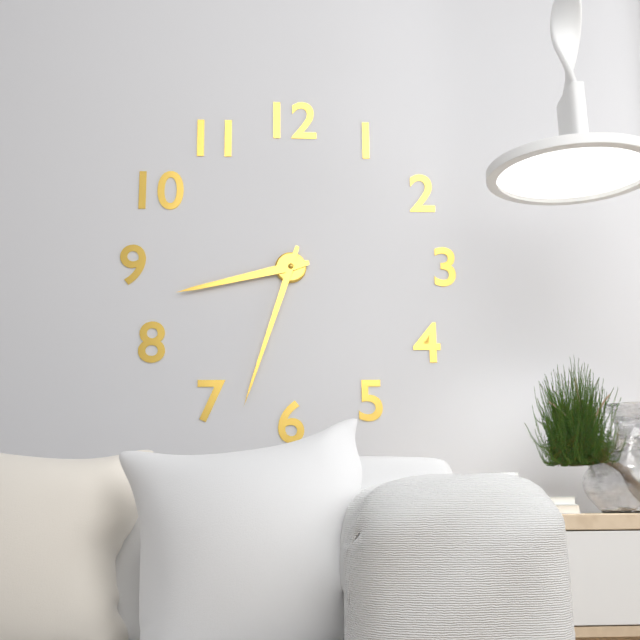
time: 8:33
